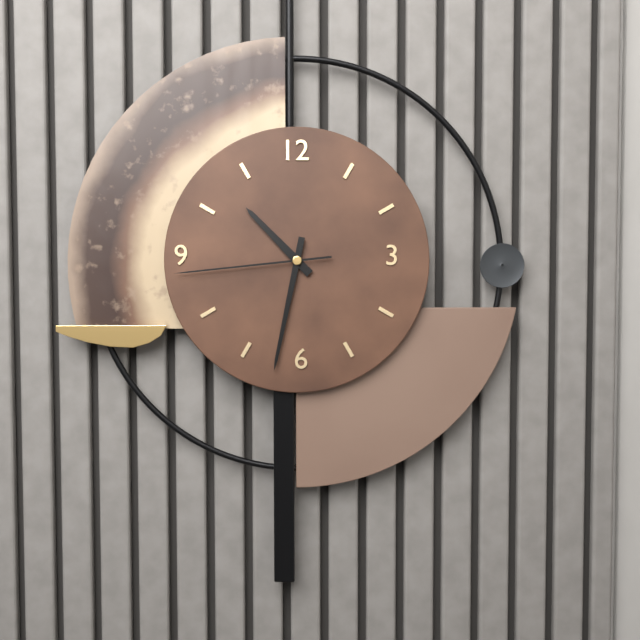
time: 10:32:44
